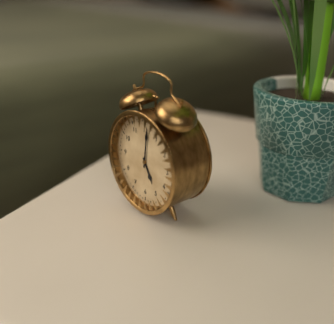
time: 5:01
